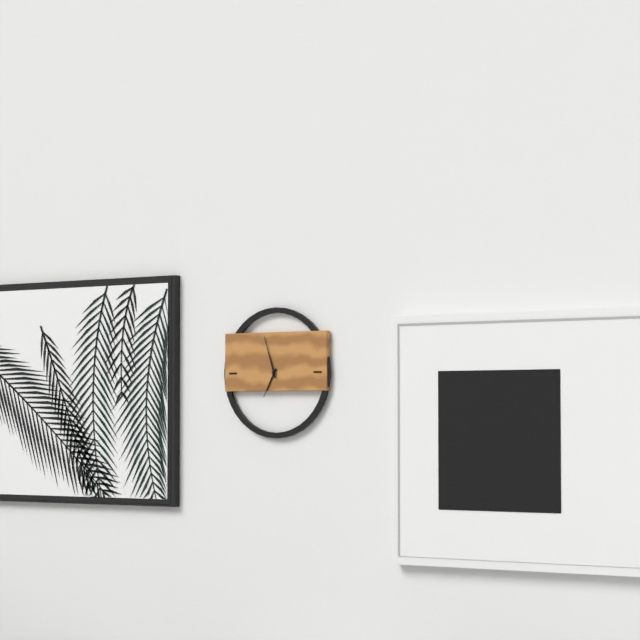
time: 6:57
